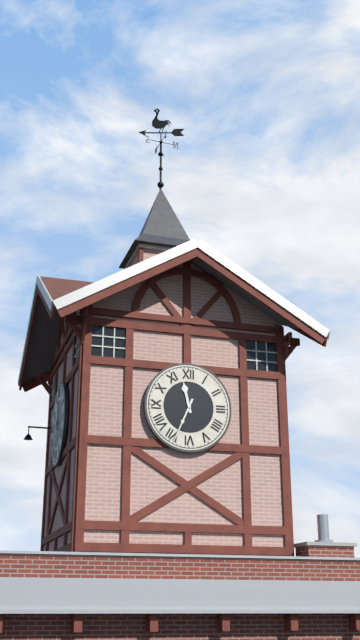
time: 11:34
